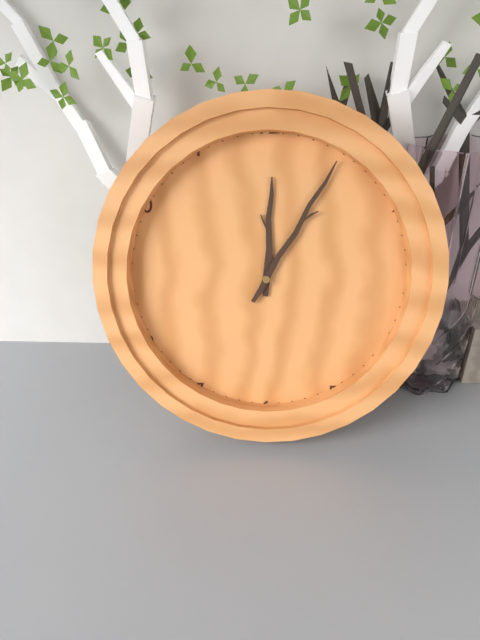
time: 12:05
